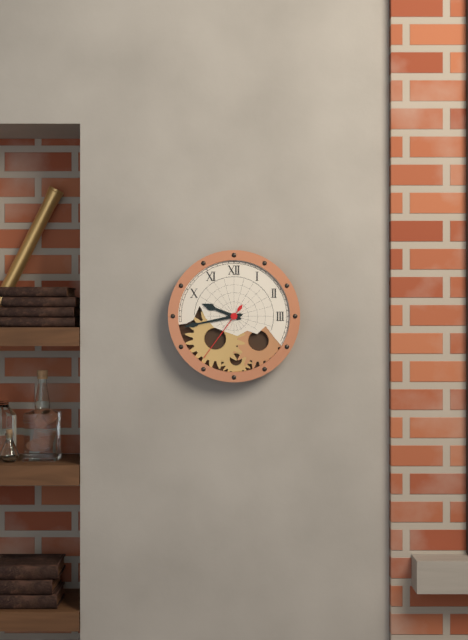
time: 9:43:36
